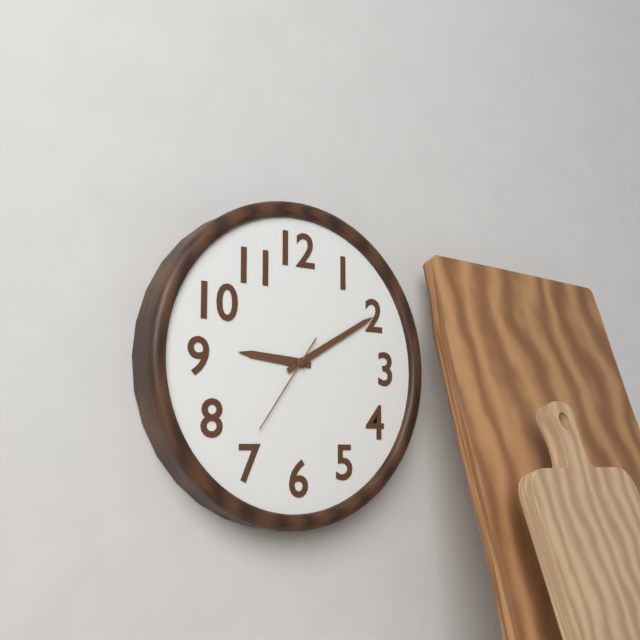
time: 9:10:36
